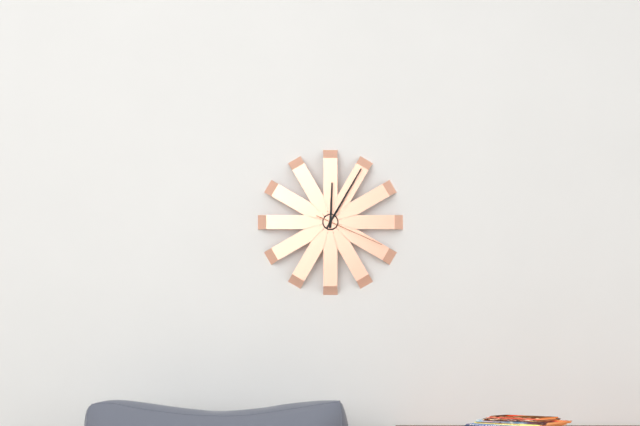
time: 12:05:19
